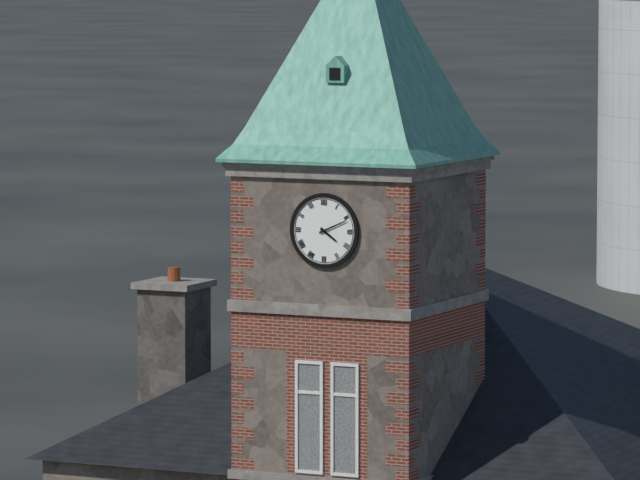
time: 4:11
